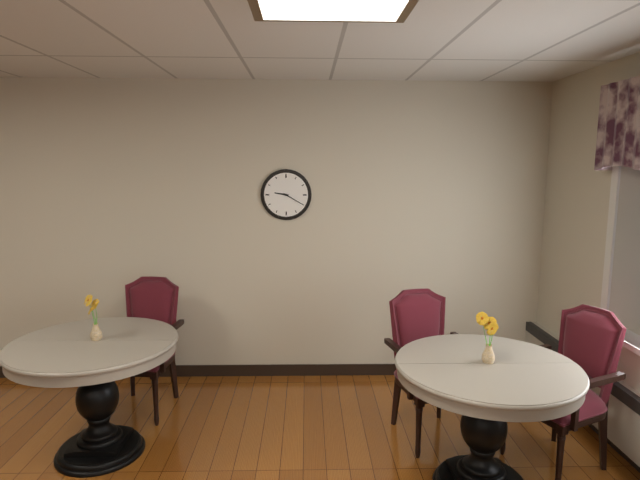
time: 9:20
